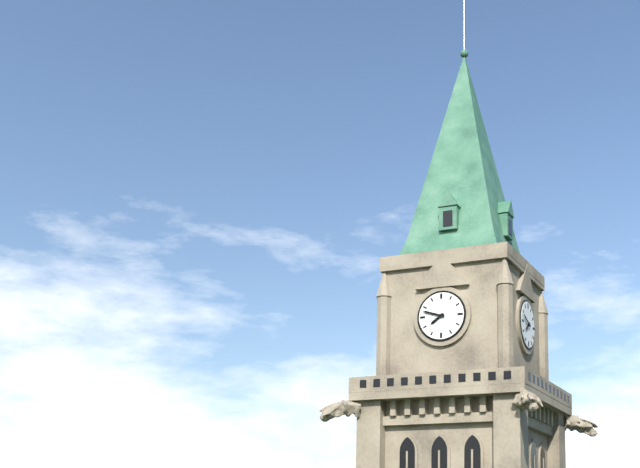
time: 7:48
